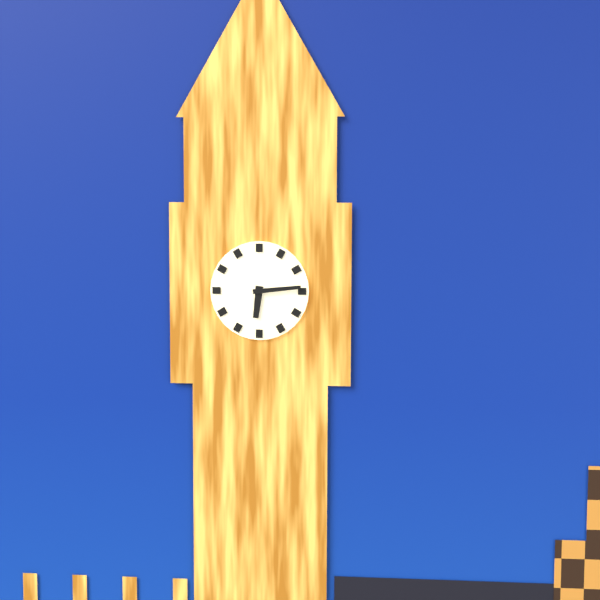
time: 6:14
